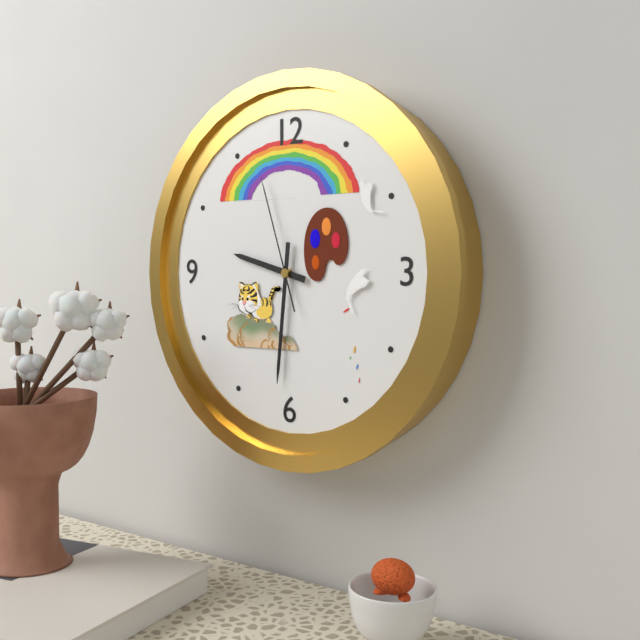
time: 9:31:57
